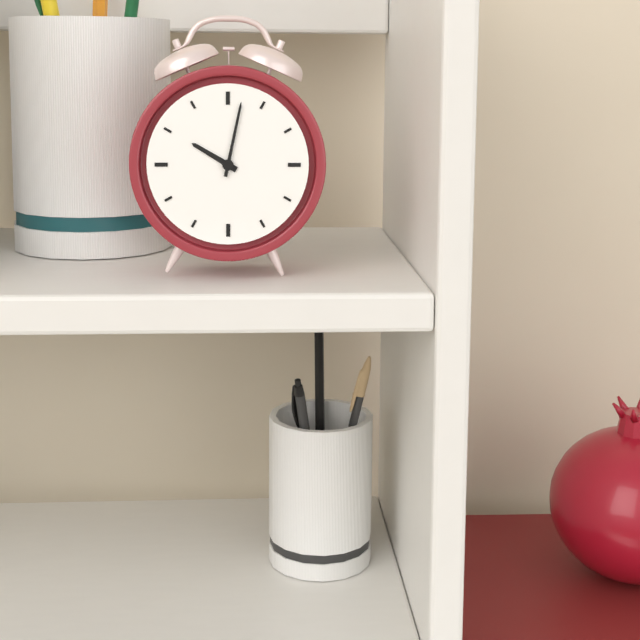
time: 10:02
